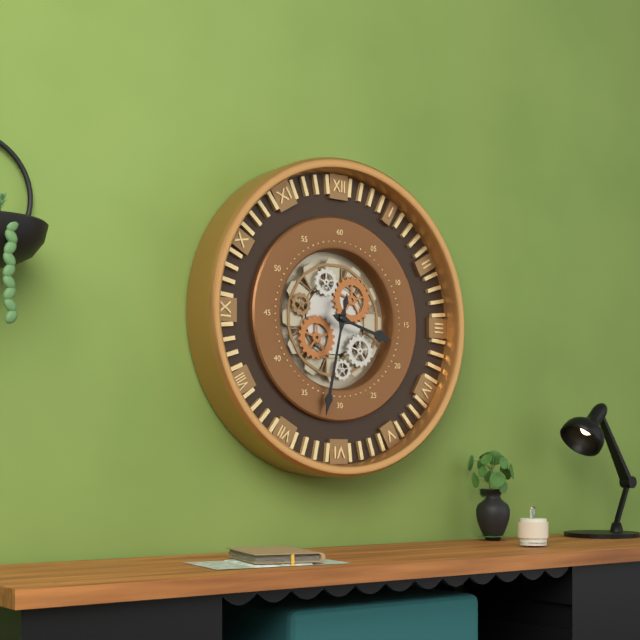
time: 3:32
